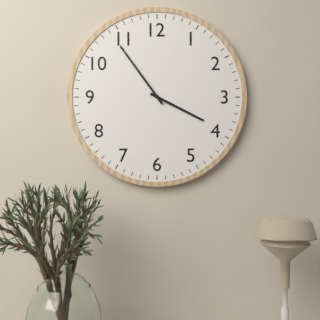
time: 3:54
